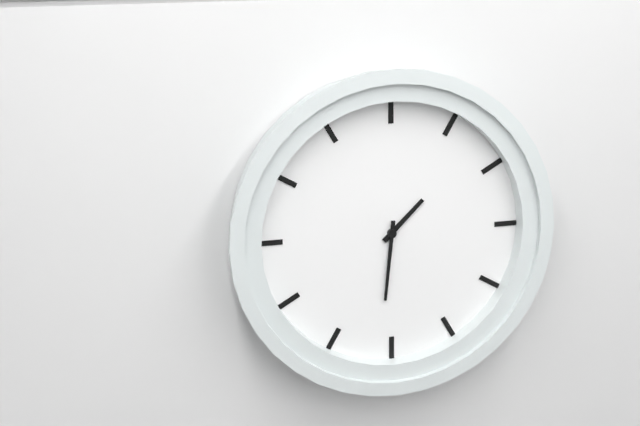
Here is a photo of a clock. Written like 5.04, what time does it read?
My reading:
1.31
